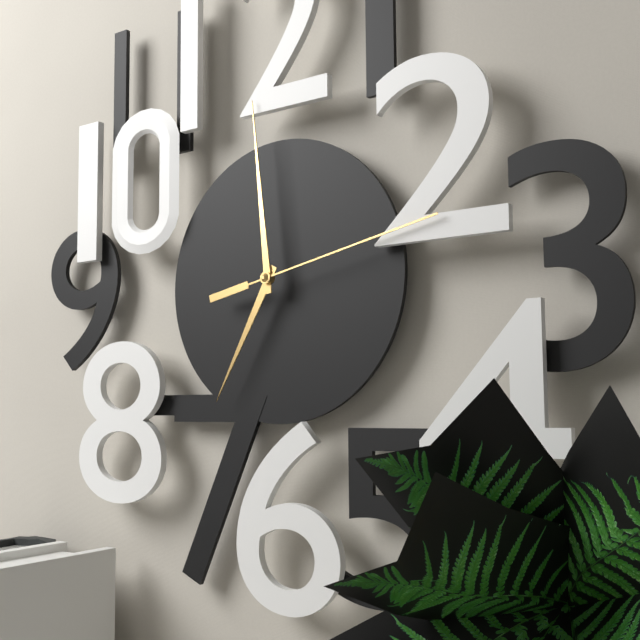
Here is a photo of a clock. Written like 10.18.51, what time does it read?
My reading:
6.59.13
